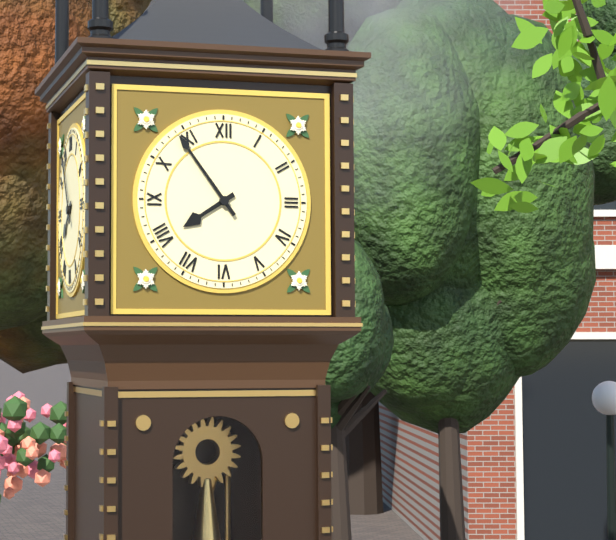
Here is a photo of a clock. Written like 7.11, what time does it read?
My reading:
7.54
